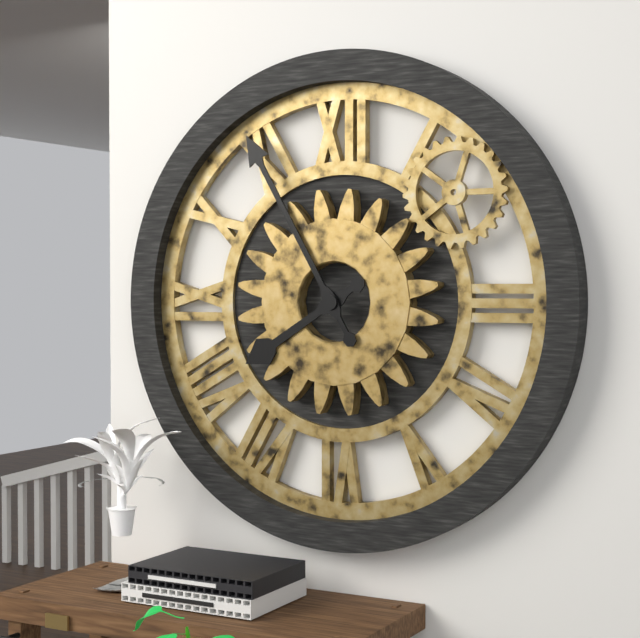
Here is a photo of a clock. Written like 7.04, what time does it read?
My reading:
7.55
